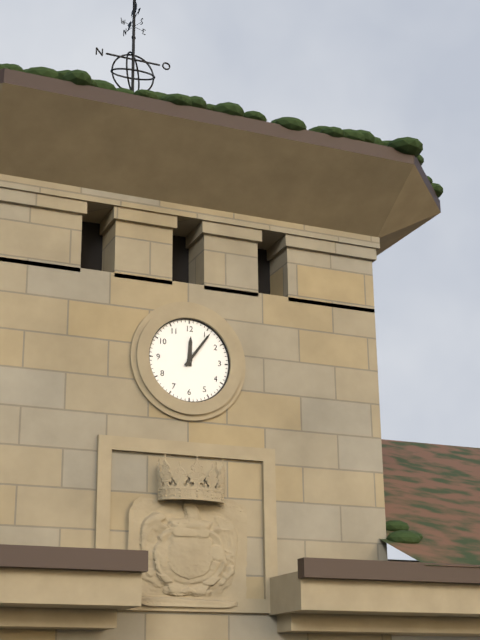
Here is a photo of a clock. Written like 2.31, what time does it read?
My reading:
12.06
